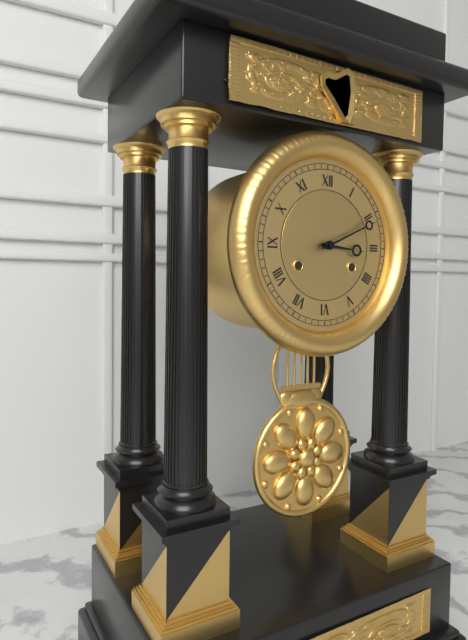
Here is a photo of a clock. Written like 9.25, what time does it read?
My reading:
3.11
